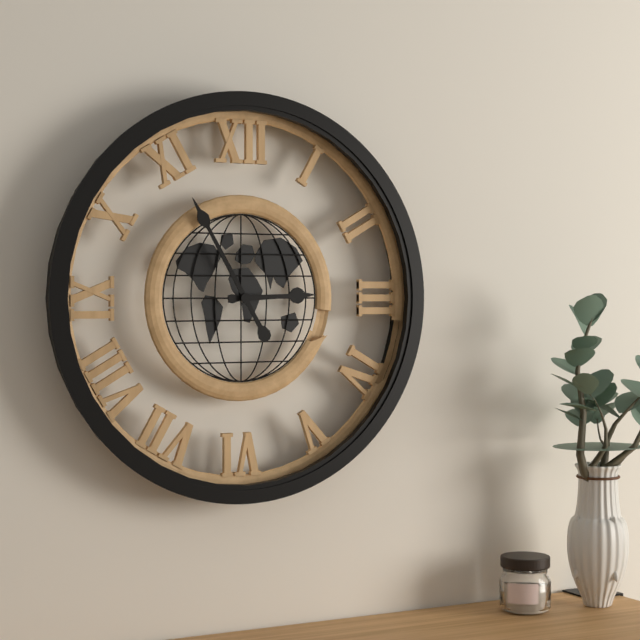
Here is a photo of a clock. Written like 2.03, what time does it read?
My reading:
2.55
